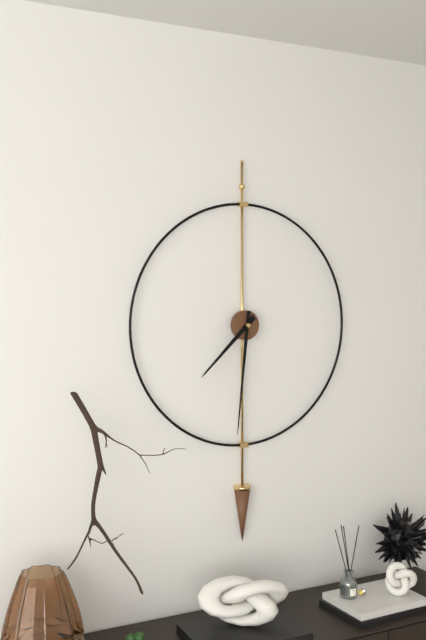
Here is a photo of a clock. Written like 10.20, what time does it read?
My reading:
7.31
